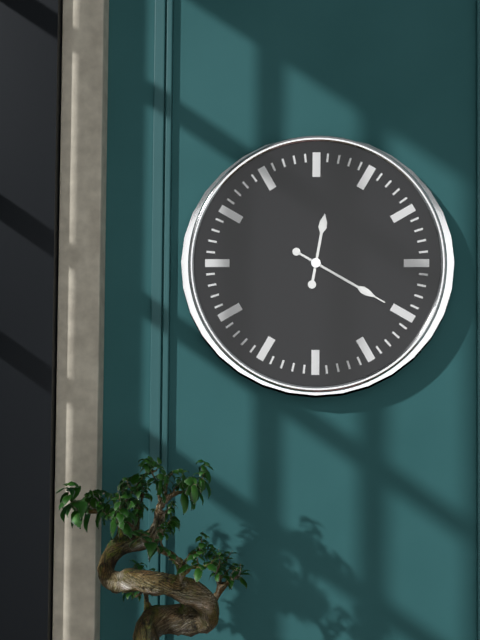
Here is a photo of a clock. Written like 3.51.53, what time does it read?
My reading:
12.20.20
